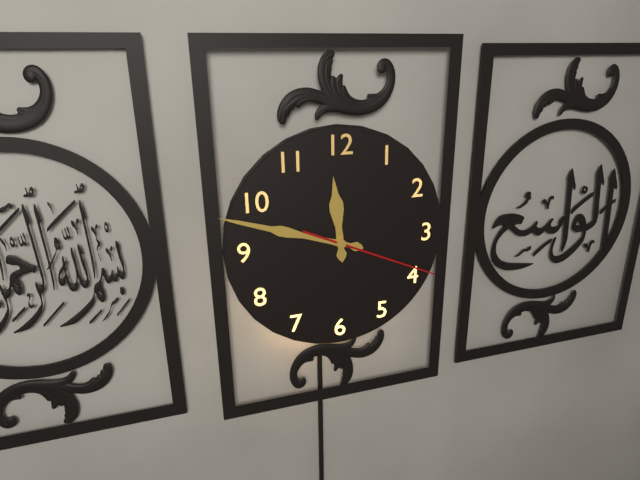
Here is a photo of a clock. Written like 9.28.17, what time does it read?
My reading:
11.48.19
